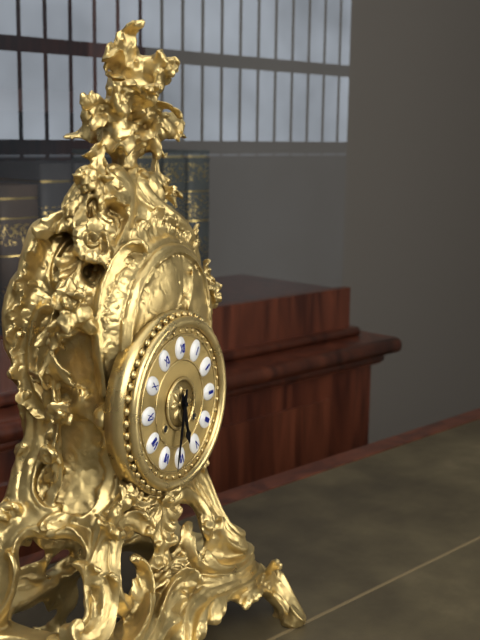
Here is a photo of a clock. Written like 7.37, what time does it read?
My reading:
5.32
